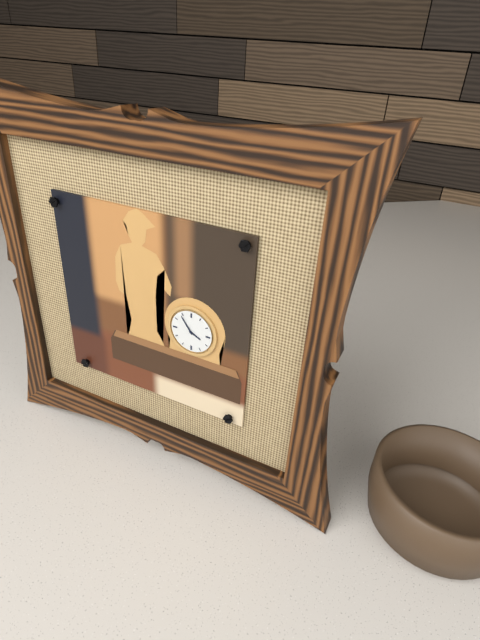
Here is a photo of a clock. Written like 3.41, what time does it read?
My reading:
3.54
